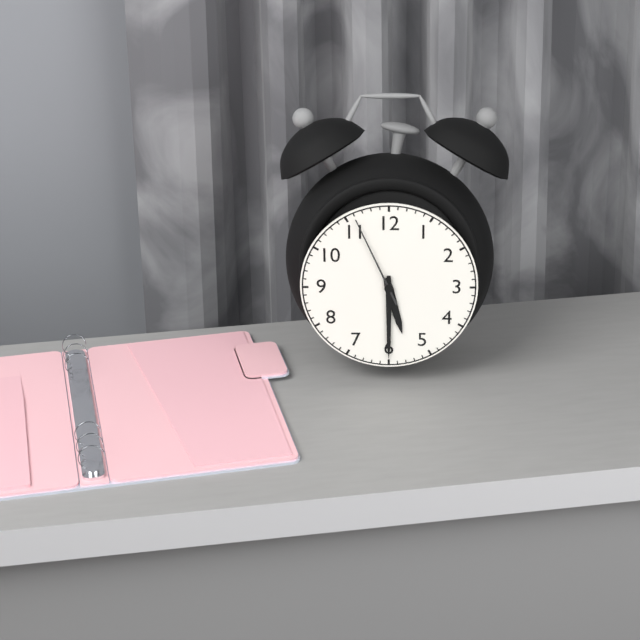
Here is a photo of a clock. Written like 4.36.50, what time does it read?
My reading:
5.30.56
